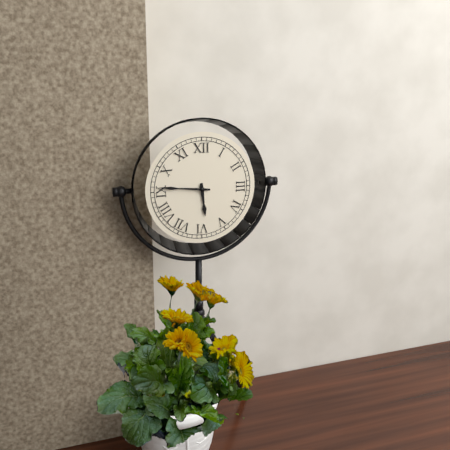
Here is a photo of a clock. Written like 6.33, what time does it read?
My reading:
5.46
